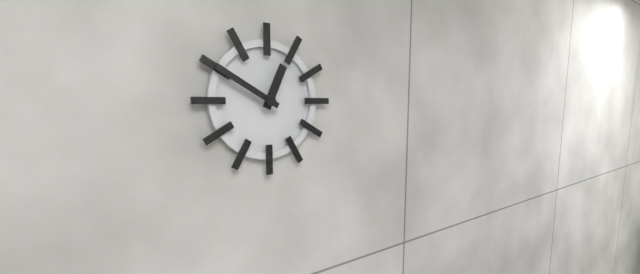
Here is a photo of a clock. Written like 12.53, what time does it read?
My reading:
12.50
